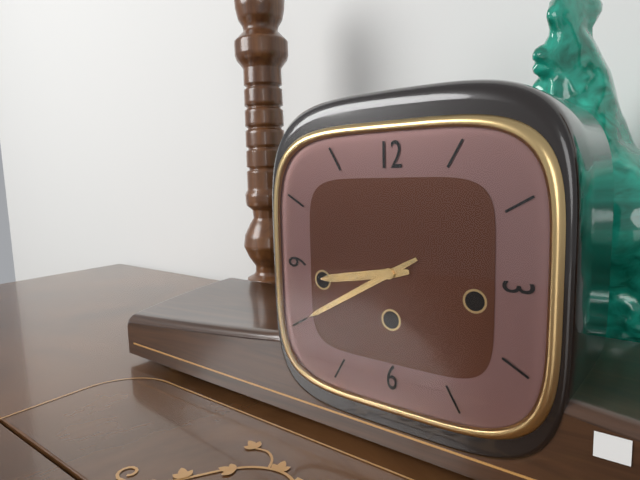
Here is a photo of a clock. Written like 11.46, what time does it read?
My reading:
8.40
